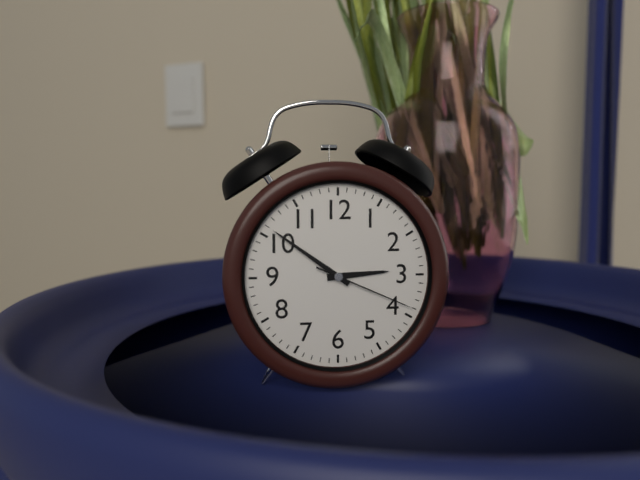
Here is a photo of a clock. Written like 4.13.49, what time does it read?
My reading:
2.51.19
